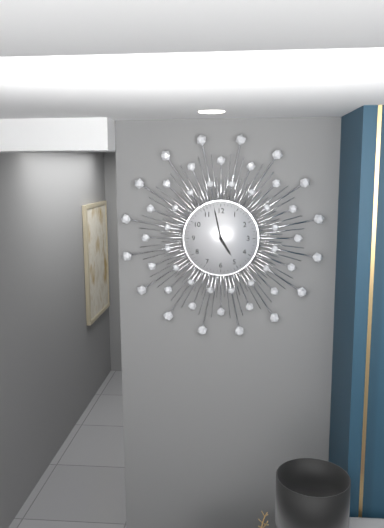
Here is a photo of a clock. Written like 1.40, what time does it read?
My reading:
4.58
